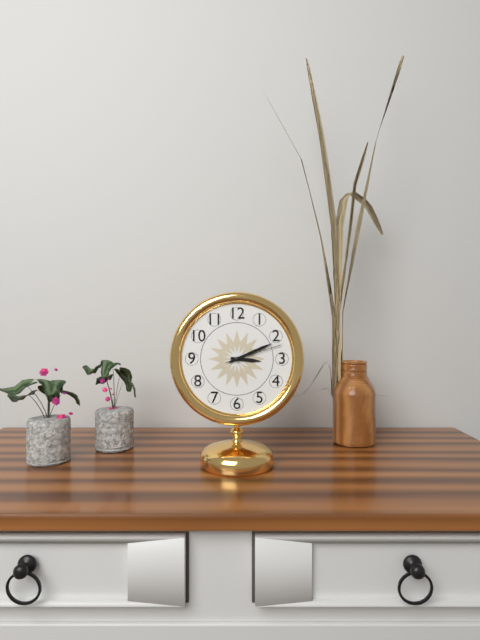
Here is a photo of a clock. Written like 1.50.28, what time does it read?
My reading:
3.11.12
